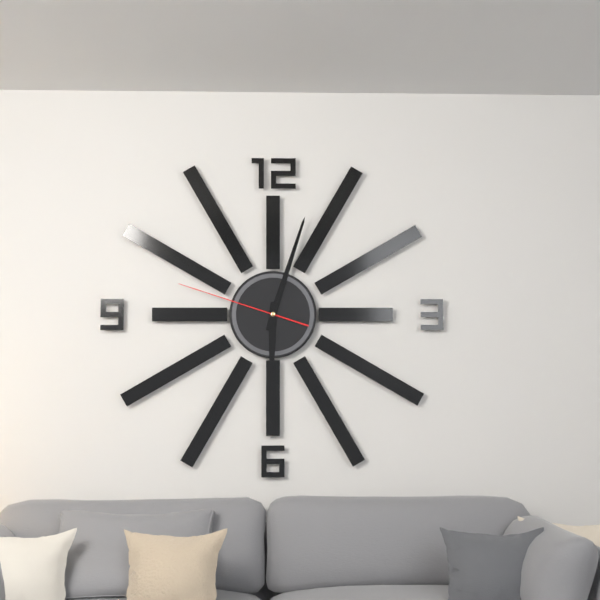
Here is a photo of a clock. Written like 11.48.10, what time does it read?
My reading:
6.03.48
